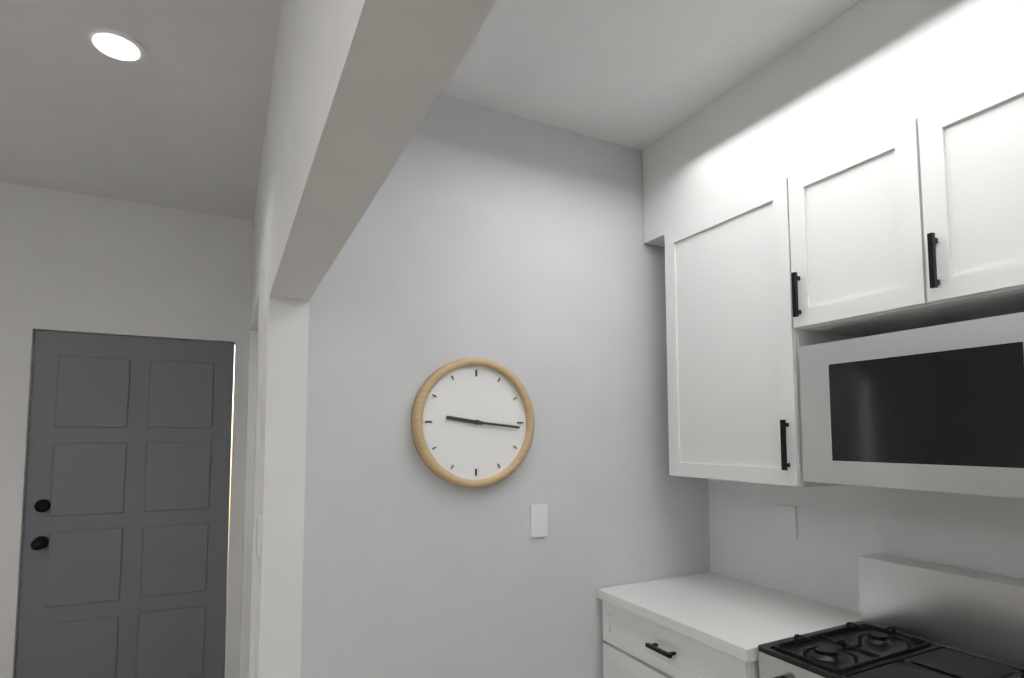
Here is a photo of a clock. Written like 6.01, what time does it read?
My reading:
9.16
